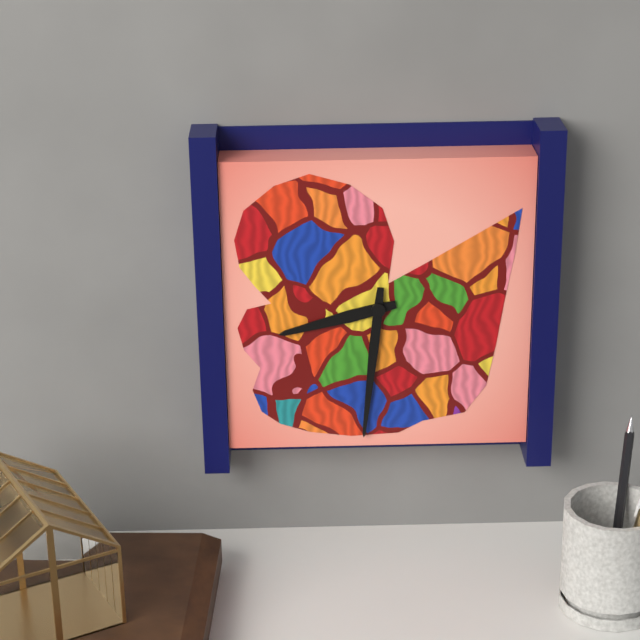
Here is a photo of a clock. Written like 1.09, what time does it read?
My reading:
8.31
